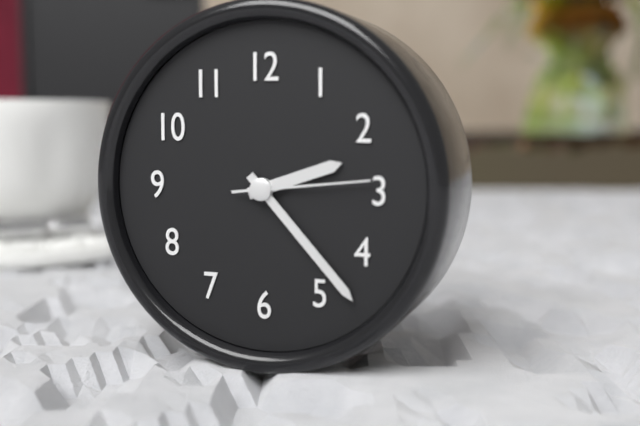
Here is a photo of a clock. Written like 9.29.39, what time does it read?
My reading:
2.23.14
